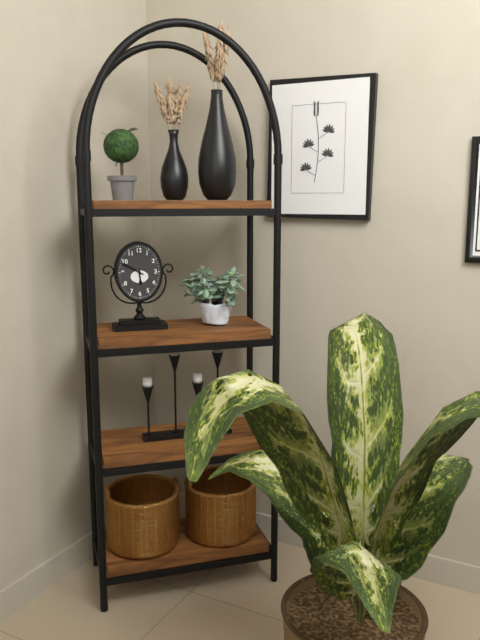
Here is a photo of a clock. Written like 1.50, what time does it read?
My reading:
5.50
